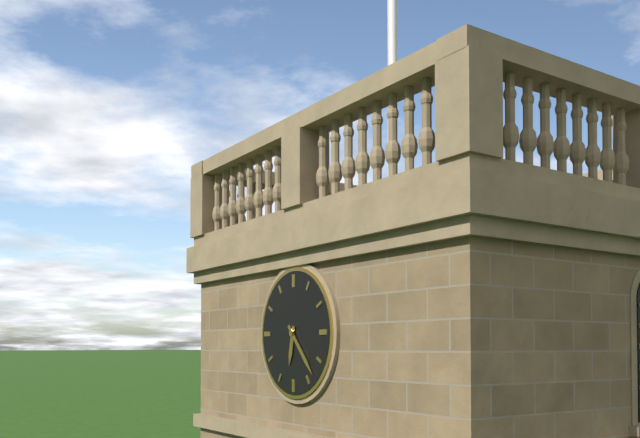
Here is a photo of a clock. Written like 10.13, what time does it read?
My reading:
6.23
